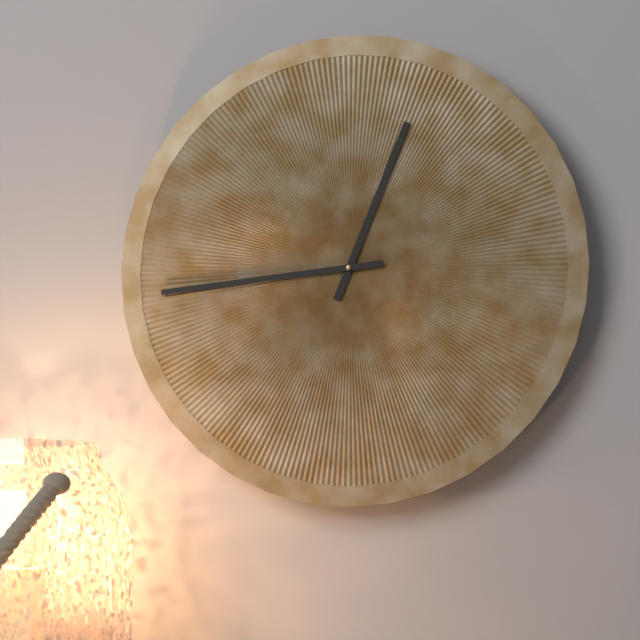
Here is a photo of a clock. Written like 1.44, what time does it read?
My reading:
12.44
